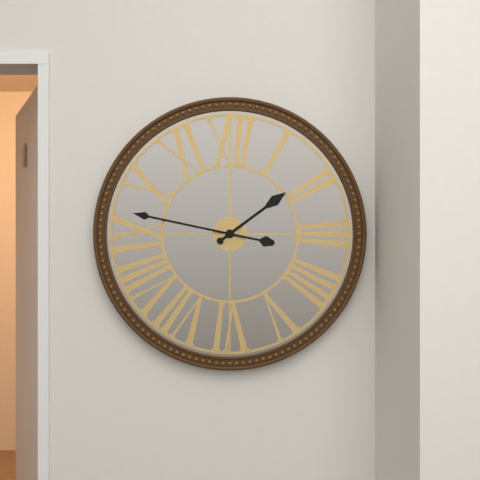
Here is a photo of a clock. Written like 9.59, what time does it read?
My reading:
1.47
